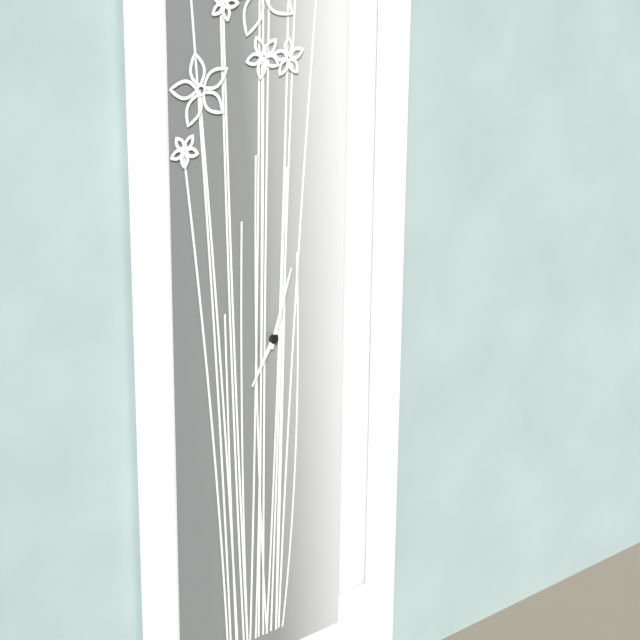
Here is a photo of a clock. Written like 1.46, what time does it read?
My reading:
7.03
